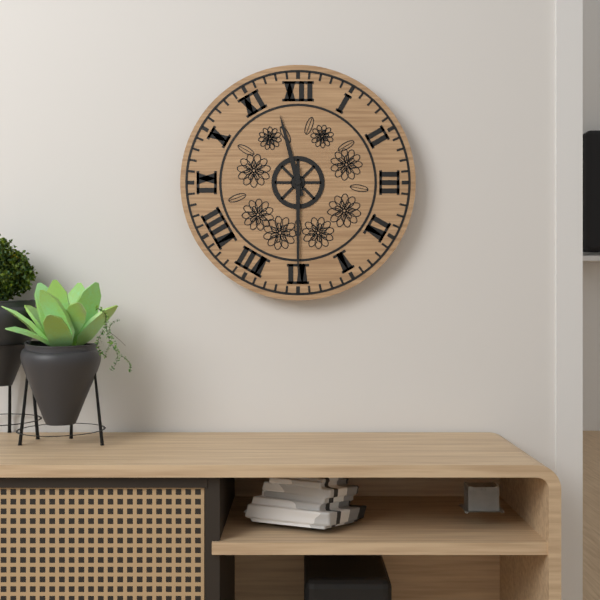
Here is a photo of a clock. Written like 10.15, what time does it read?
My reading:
11.30
